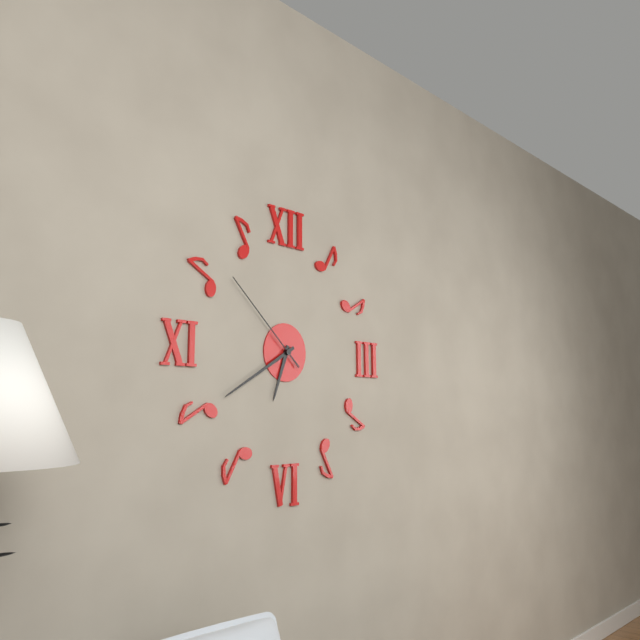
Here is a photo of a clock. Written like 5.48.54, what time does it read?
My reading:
6.40.52
